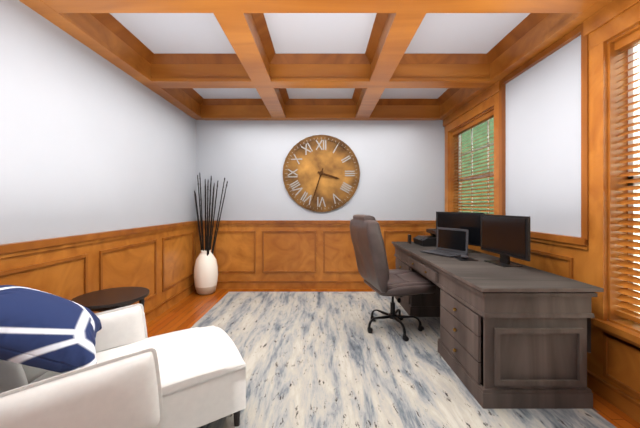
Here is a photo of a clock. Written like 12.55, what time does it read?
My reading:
3.33
